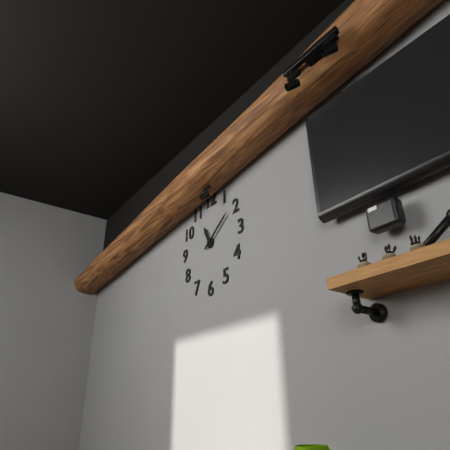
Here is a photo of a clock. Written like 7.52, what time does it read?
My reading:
11.09
